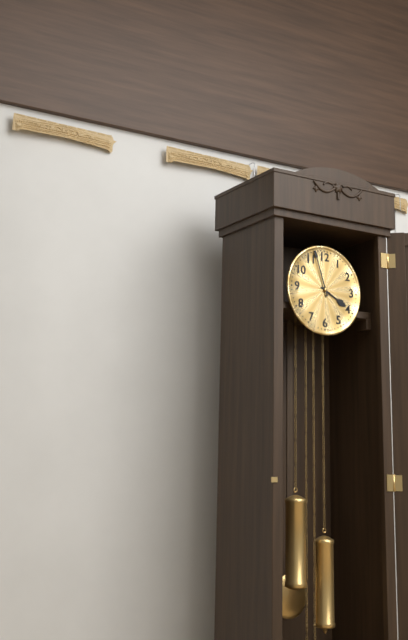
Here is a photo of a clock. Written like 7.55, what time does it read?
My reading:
3.57
